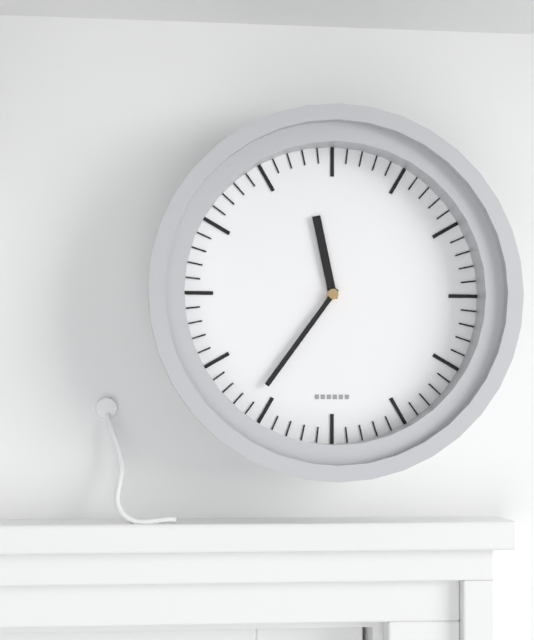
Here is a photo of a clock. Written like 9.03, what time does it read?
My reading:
11.36
